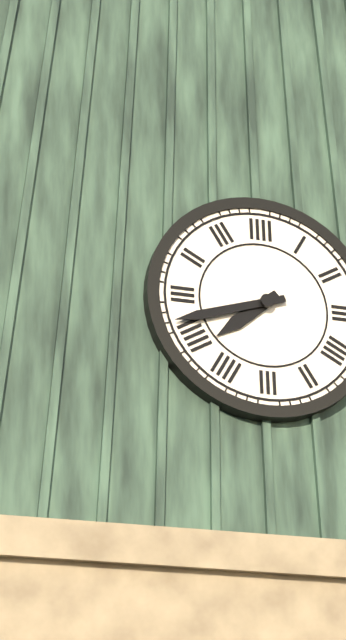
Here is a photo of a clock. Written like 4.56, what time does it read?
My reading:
7.42
